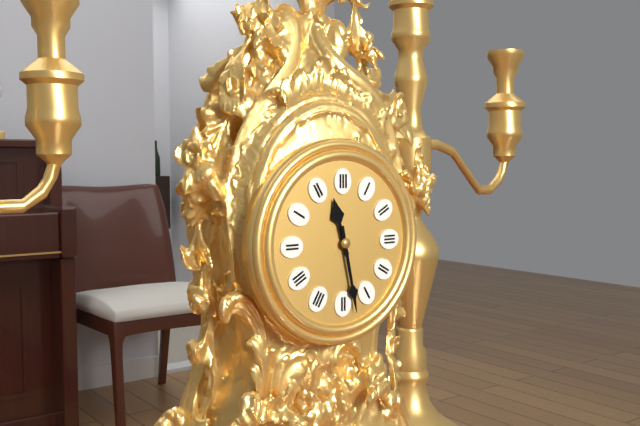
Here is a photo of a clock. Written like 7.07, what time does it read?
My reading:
11.28
